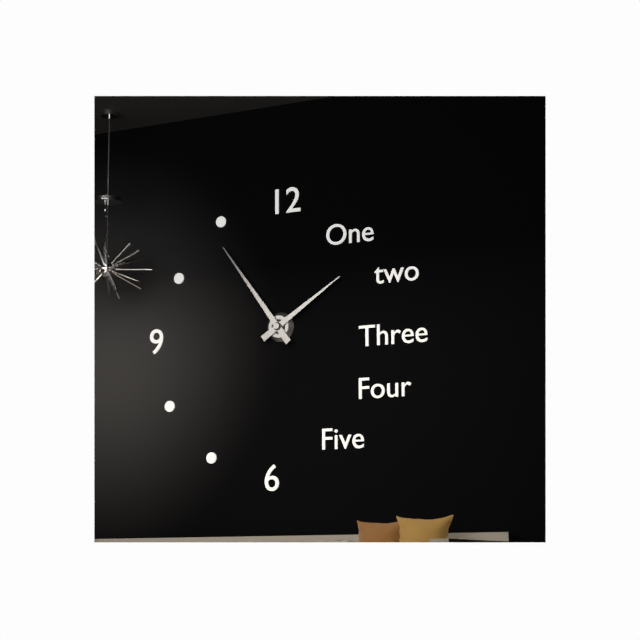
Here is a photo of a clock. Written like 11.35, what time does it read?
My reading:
1.54
